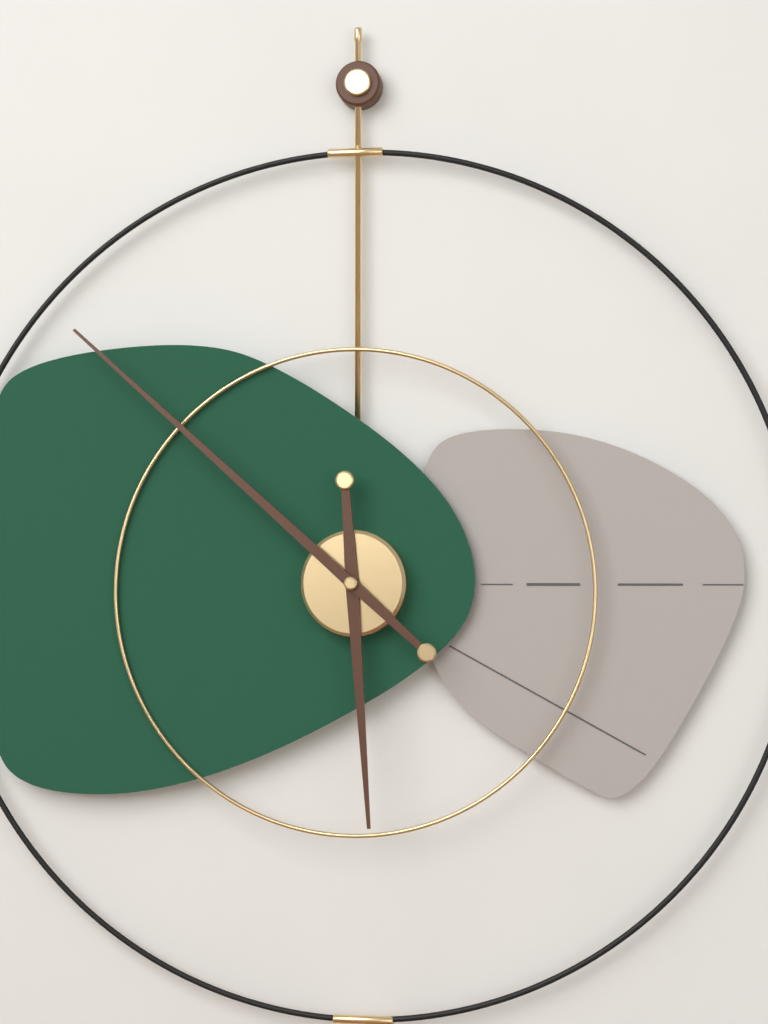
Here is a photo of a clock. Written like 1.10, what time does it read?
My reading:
5.52
